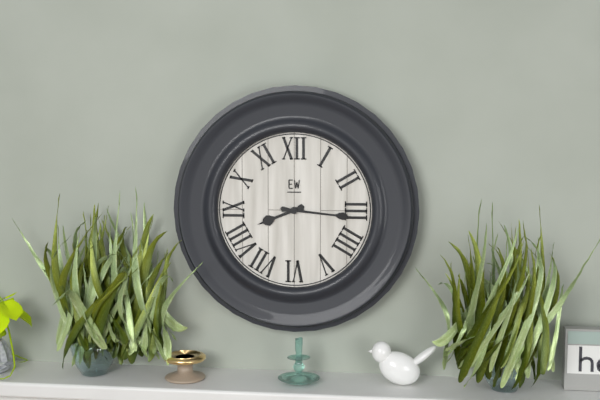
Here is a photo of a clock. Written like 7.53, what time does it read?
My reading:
8.16
